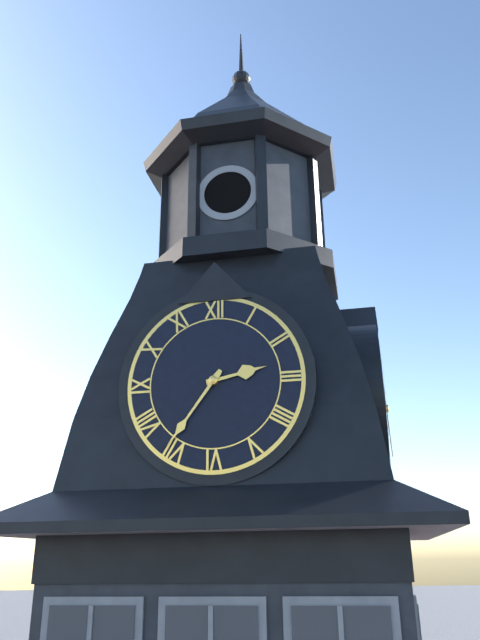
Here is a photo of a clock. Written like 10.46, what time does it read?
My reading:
2.36
